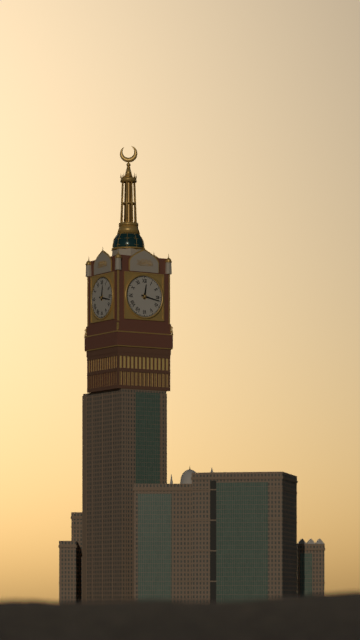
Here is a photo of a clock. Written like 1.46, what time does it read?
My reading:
12.17
